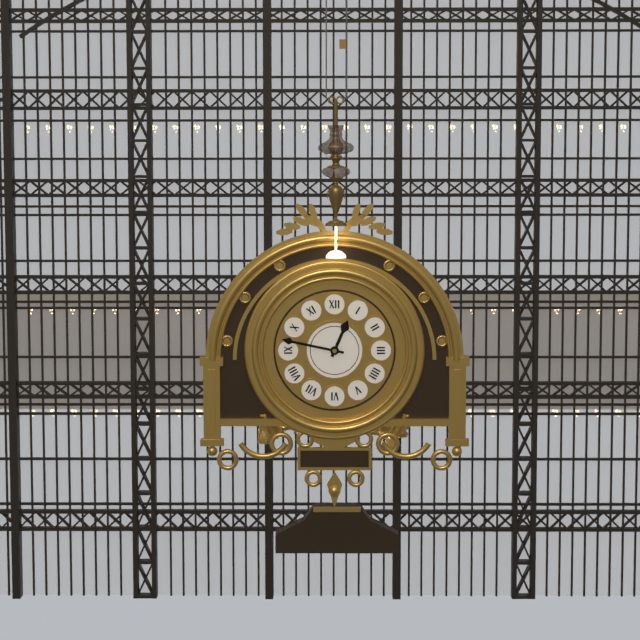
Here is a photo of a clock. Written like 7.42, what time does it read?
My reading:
12.47
